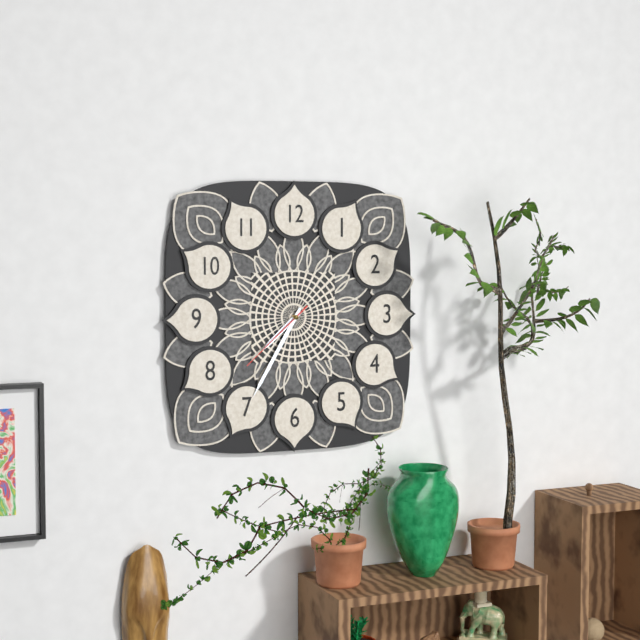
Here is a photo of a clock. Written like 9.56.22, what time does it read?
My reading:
7.35.38
